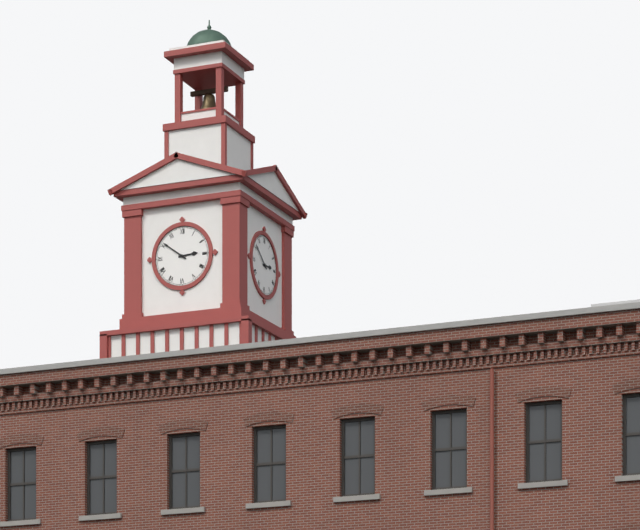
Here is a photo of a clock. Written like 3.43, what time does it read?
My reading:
2.51
